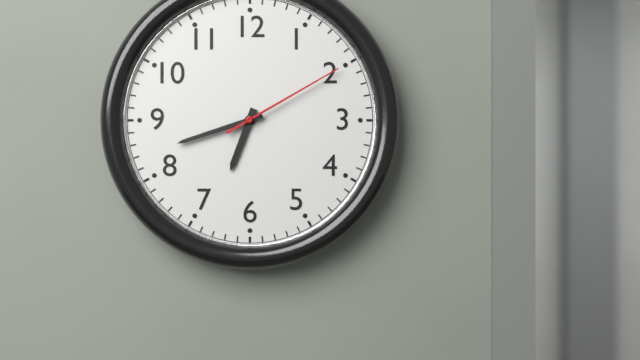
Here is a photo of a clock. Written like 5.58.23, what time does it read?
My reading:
6.42.10
